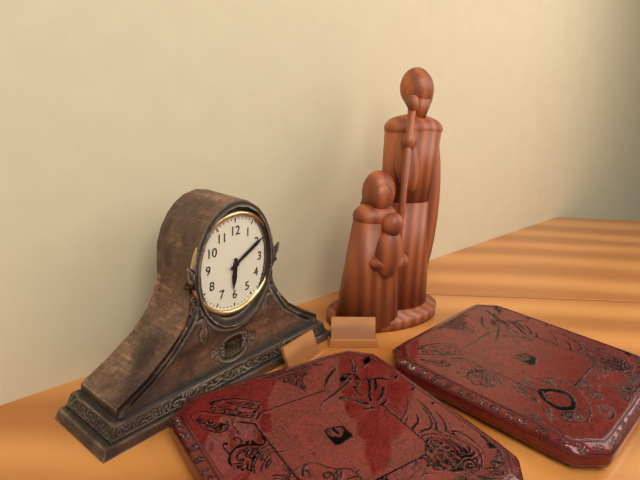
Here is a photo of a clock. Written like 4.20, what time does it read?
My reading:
6.10
